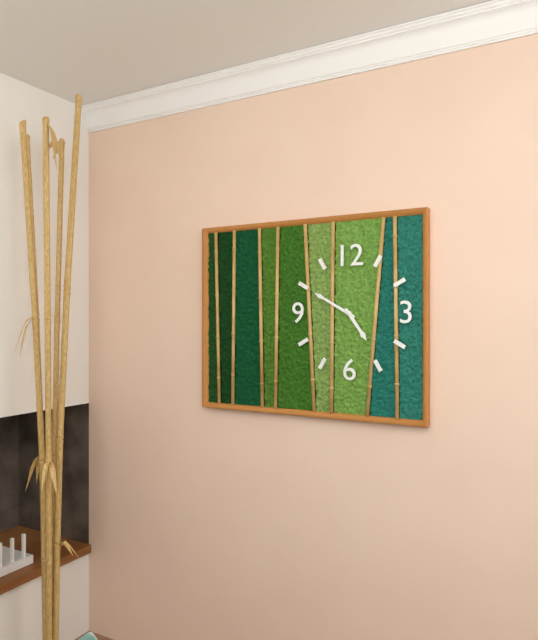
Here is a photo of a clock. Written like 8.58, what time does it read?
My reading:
4.50
